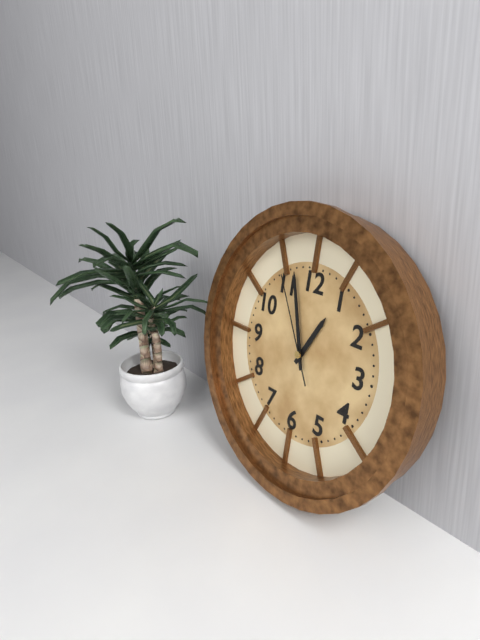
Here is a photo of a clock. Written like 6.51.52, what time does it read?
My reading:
12.57.55
